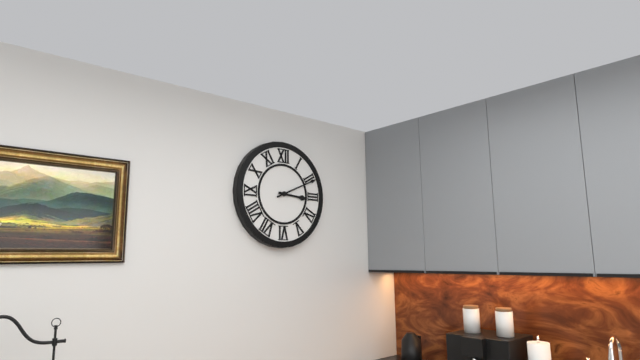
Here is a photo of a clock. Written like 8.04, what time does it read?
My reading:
3.11
